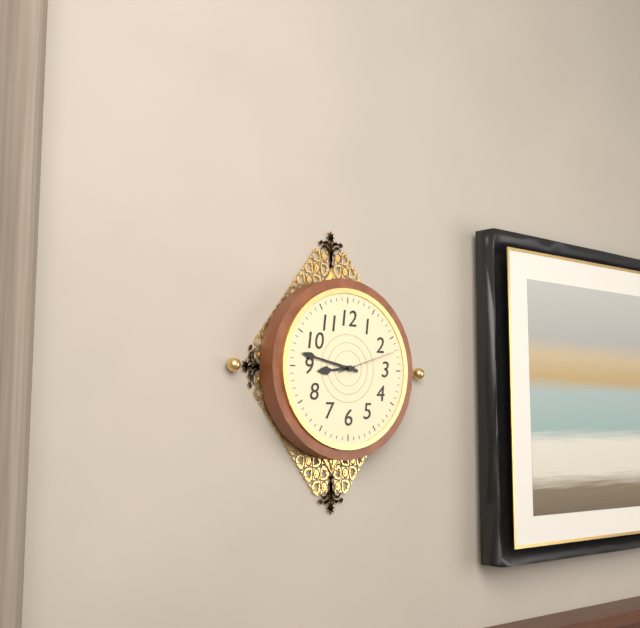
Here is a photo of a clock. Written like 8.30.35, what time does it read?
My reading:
8.47.12
